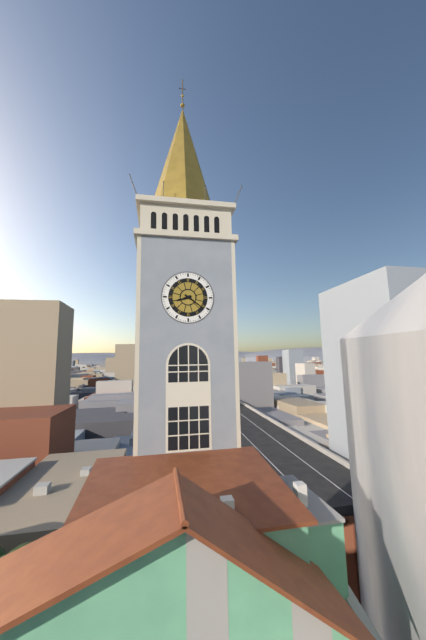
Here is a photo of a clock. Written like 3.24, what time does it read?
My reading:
8.21
